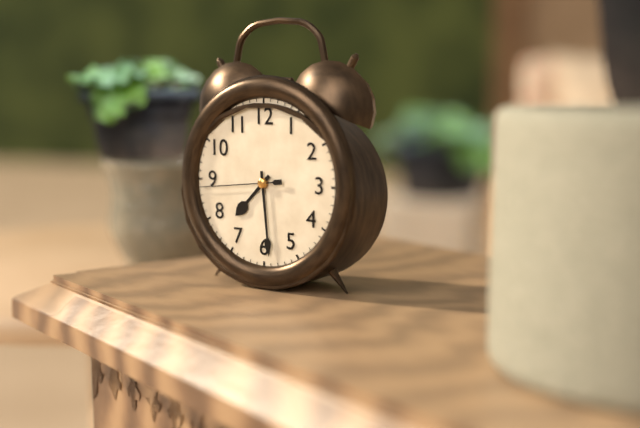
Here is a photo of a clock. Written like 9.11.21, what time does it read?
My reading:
7.29.44
